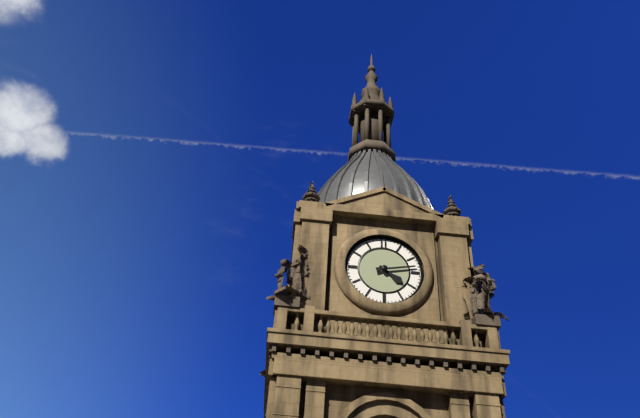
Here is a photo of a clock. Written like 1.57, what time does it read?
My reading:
4.13
